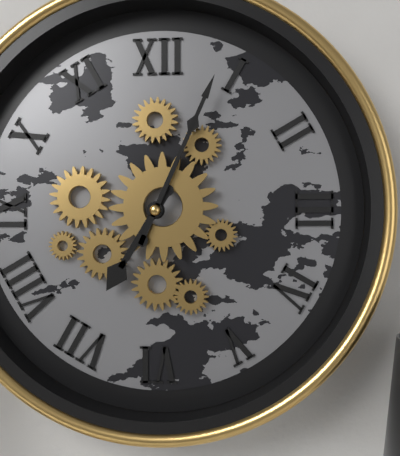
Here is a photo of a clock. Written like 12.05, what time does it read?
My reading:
7.04
